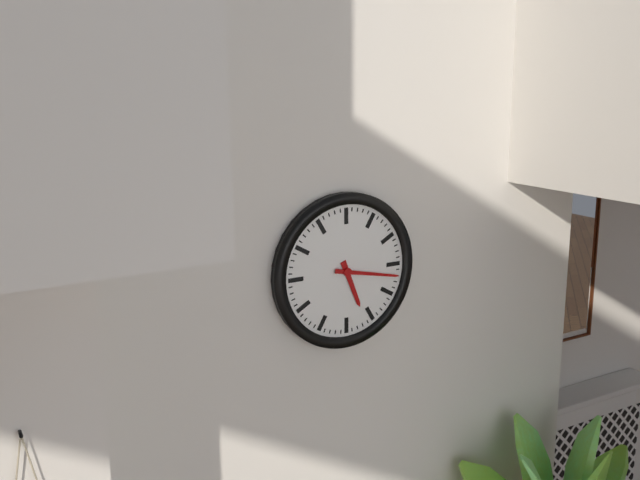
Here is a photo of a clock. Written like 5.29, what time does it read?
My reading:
5.17
